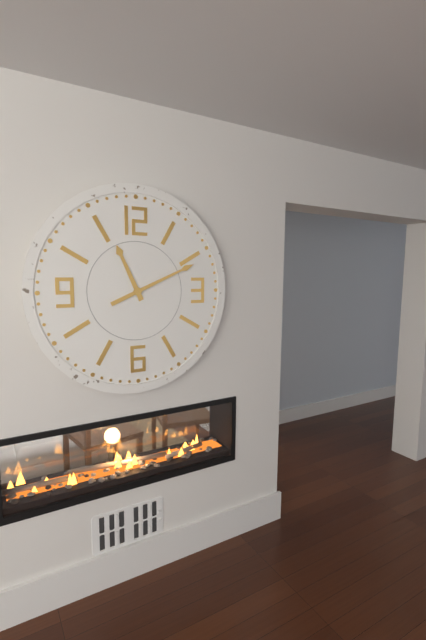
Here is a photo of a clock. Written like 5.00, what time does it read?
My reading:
11.11
